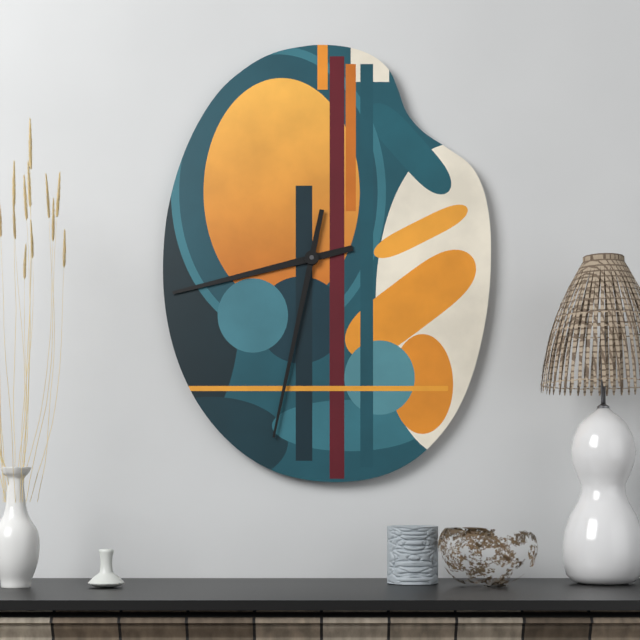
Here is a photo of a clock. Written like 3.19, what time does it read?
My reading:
8.32
